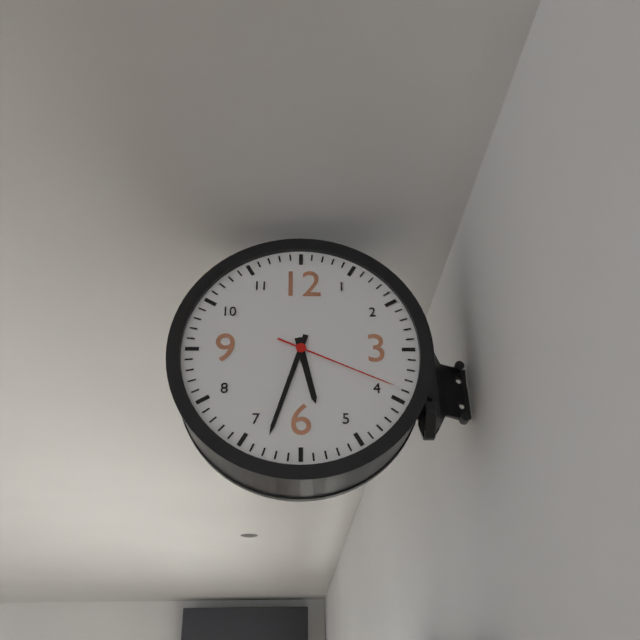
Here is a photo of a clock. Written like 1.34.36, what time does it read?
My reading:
5.33.19
